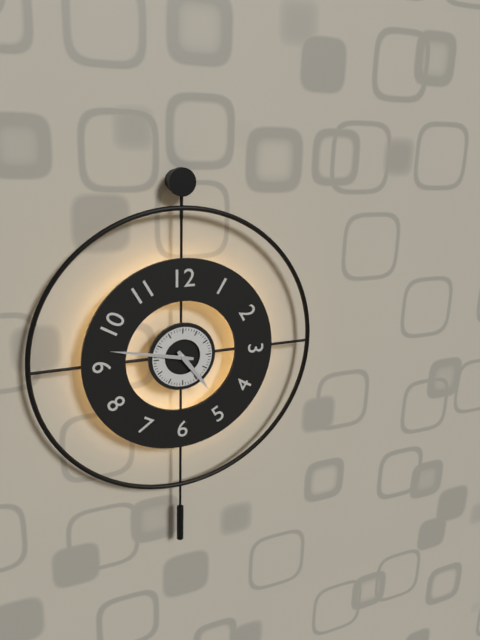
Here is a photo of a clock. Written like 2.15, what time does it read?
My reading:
4.47
